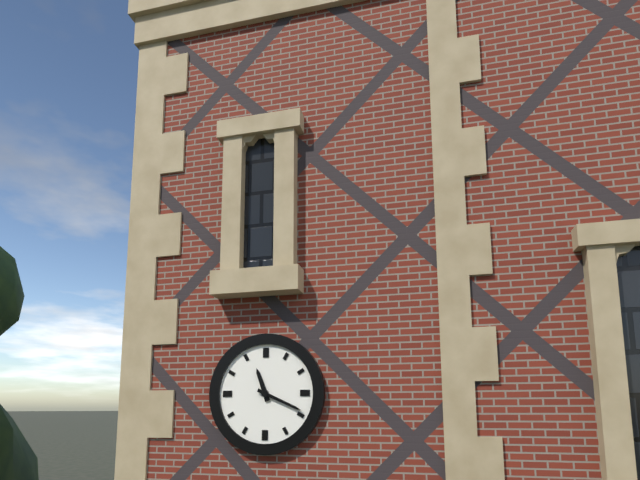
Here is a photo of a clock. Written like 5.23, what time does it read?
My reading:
11.19
